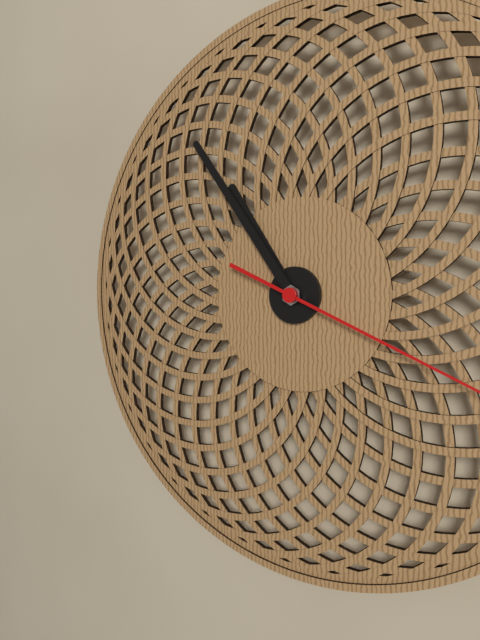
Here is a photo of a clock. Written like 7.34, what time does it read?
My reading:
10.54
